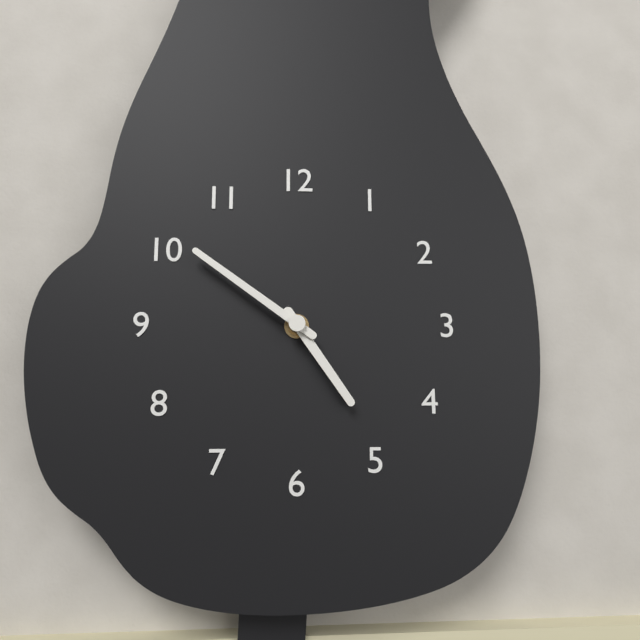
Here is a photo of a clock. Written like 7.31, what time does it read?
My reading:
4.51
